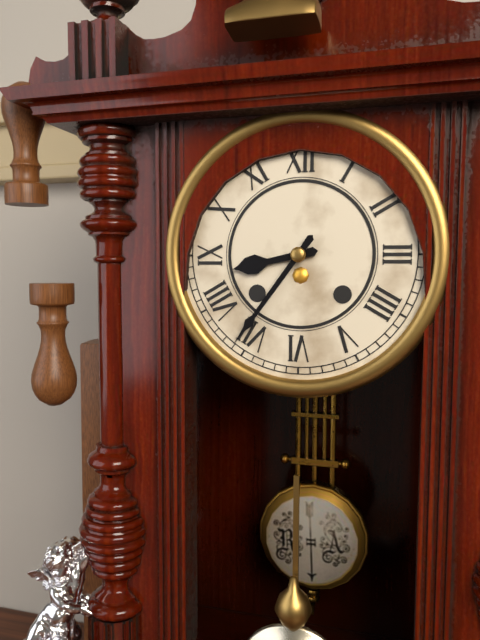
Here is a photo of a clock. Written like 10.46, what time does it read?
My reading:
8.36
